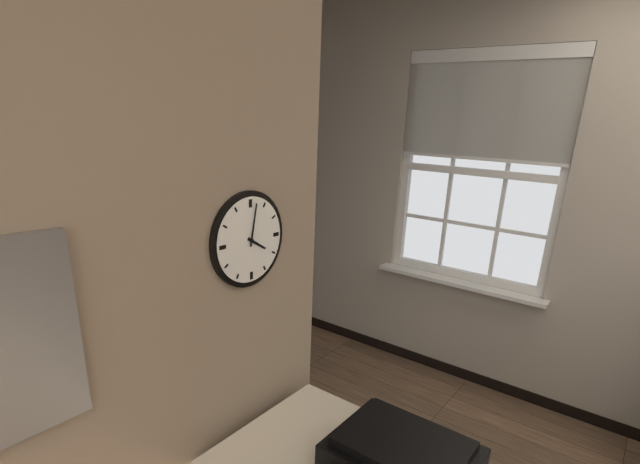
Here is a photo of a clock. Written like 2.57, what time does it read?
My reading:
4.02
